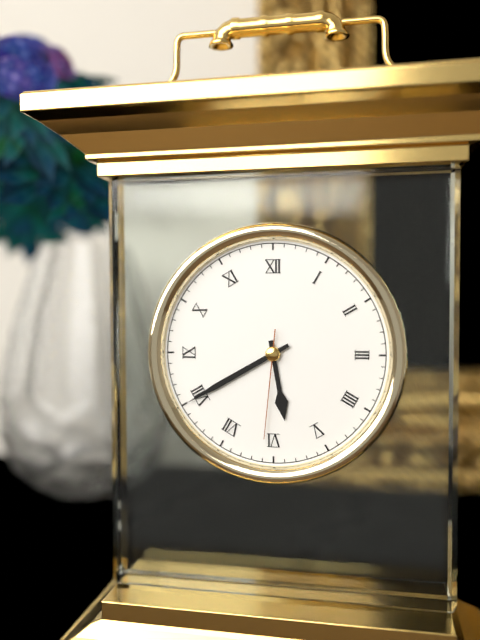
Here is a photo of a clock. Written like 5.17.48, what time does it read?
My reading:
5.40.31
